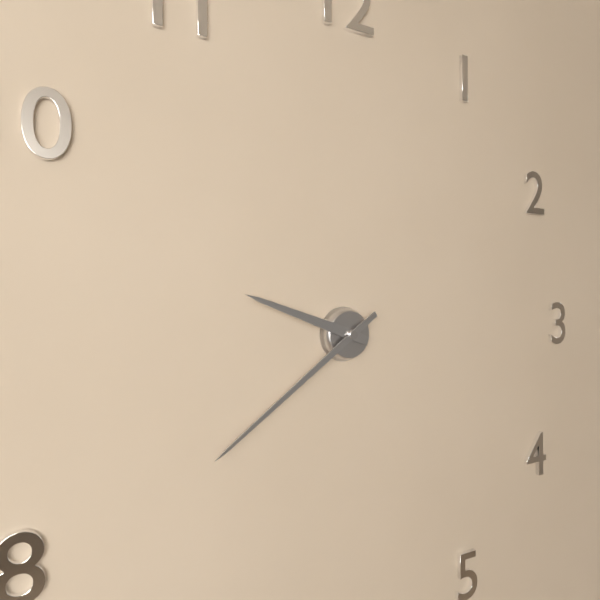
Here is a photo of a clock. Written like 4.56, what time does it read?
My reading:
9.39
